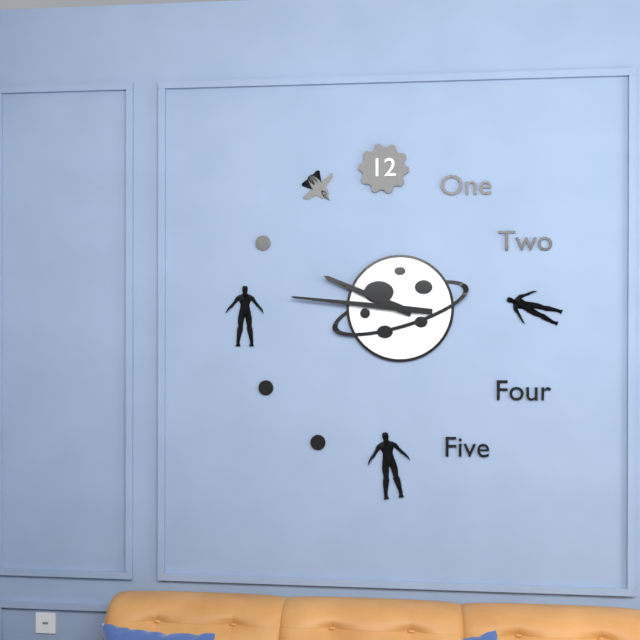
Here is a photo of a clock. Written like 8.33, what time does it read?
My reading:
9.46
